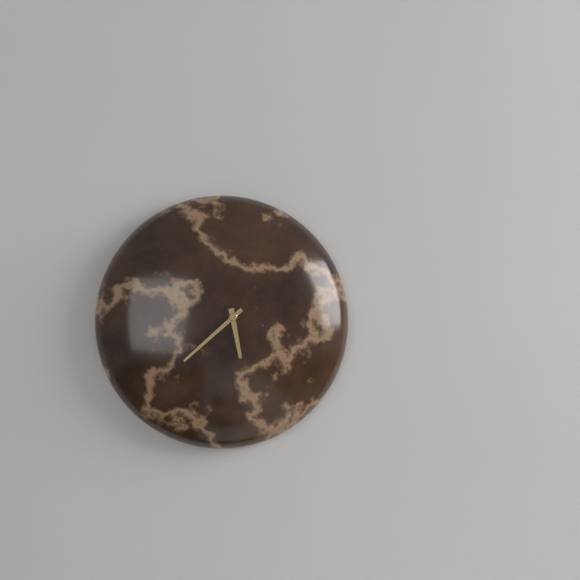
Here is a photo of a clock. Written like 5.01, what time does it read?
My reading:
5.38
